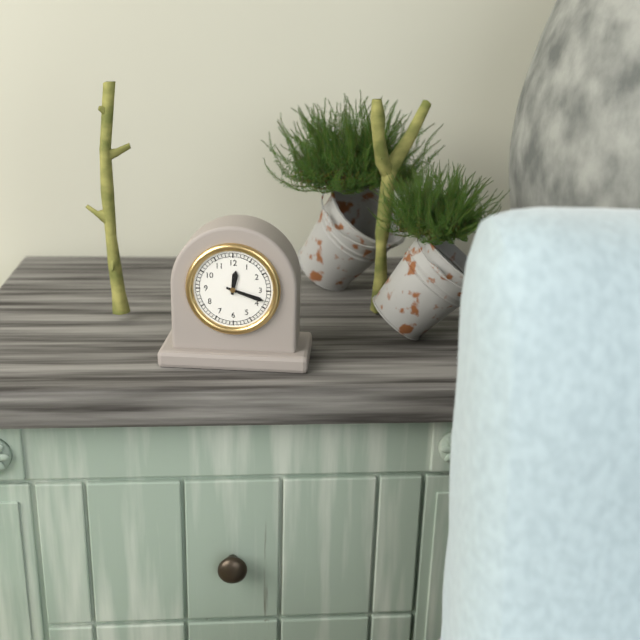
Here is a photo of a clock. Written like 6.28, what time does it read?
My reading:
12.18
